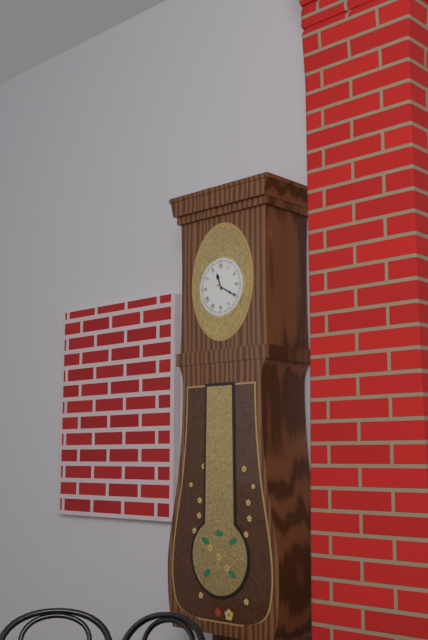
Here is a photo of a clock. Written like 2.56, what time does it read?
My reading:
11.20
